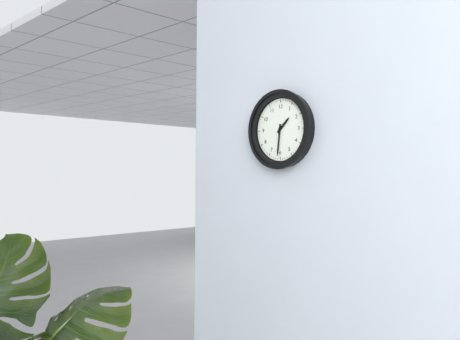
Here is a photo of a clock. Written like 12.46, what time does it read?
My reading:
1.31
